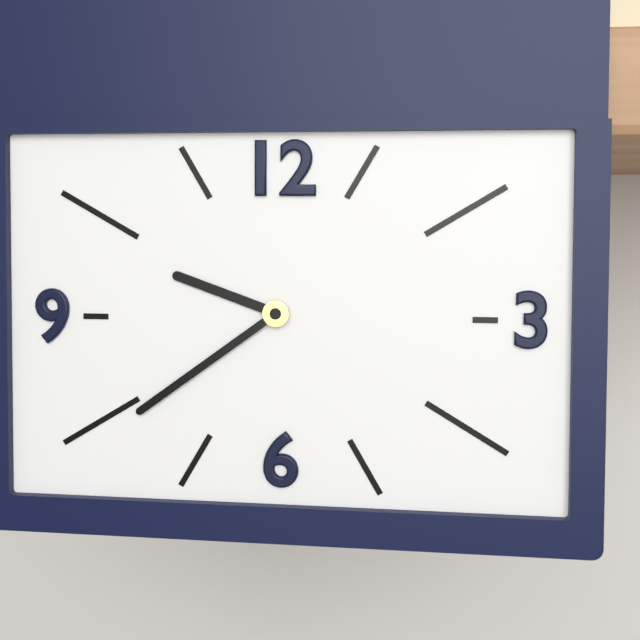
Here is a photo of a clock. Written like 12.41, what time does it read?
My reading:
9.39
